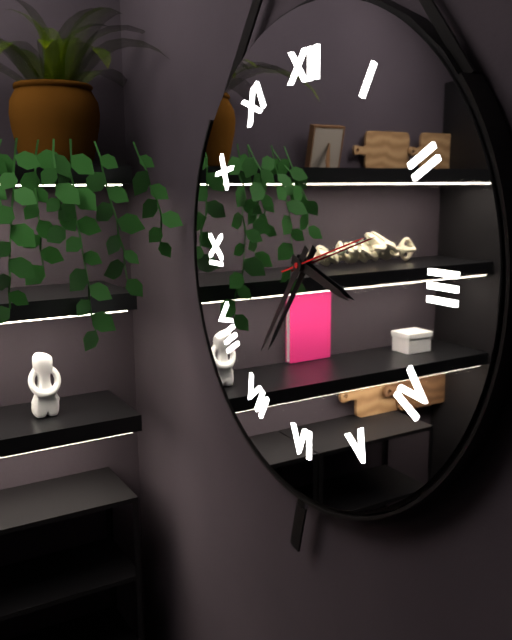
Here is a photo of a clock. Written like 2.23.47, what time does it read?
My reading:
3.36.12
